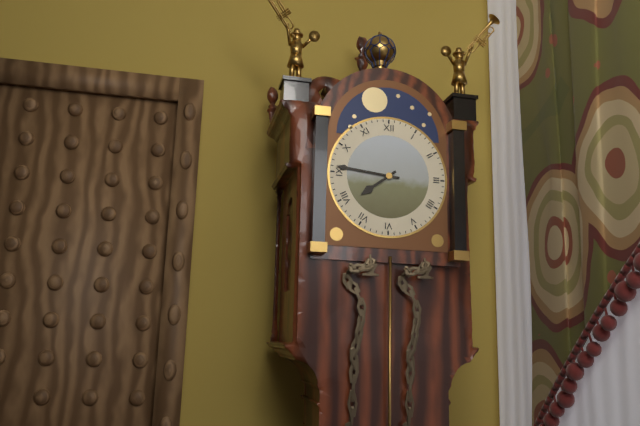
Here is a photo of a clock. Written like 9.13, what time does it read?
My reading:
7.46
